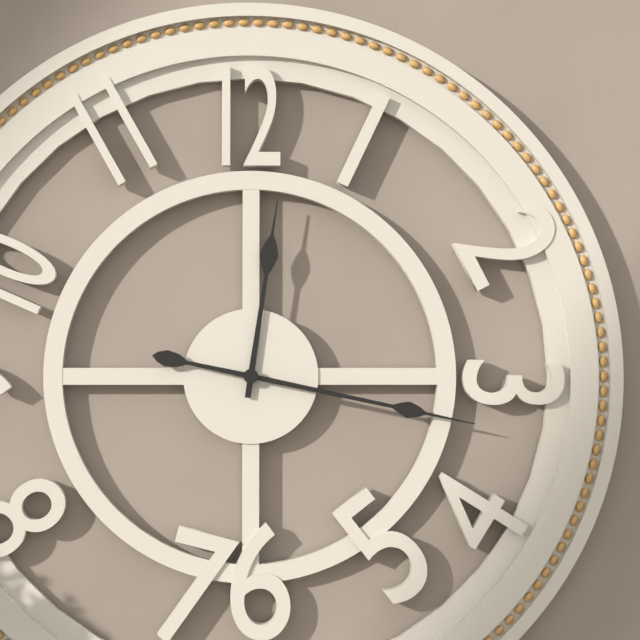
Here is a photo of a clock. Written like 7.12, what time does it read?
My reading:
12.17
